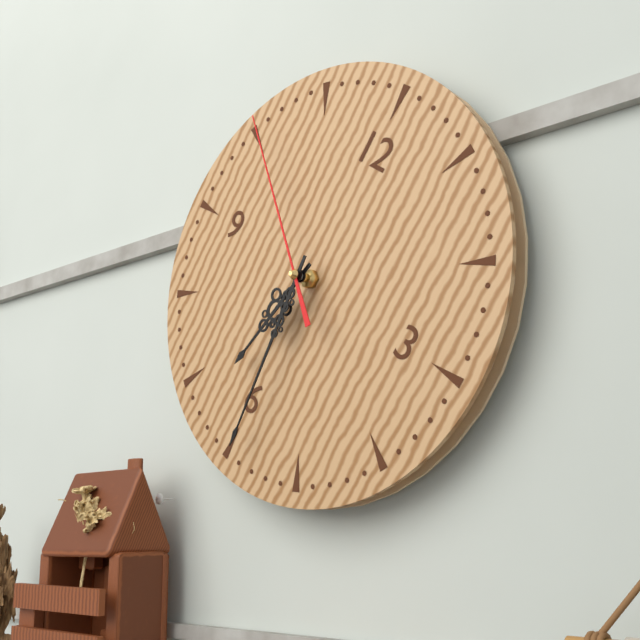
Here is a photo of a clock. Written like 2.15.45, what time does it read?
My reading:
6.29.51
